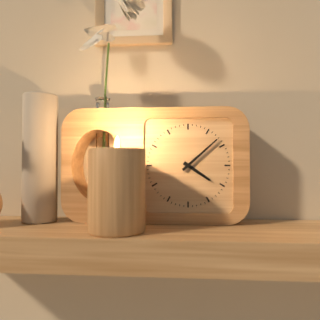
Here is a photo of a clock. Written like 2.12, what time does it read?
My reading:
4.08
